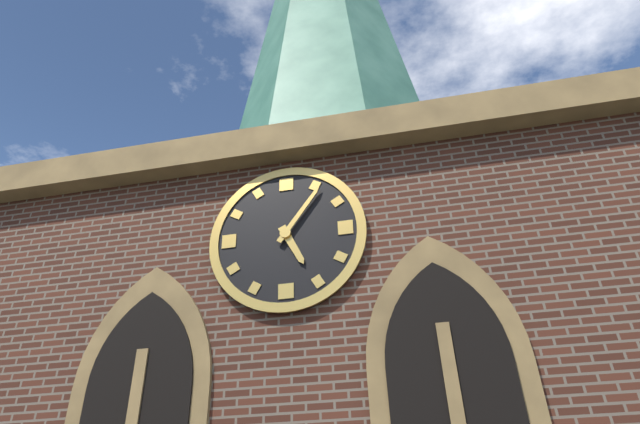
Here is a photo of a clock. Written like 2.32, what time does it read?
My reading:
5.06
